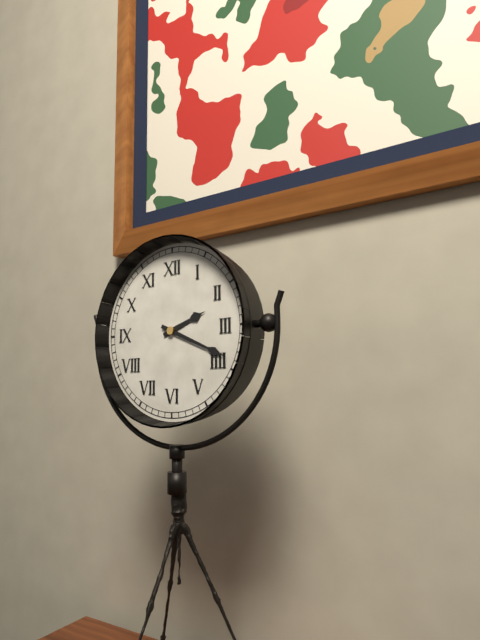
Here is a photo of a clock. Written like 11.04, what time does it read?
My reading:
2.19
